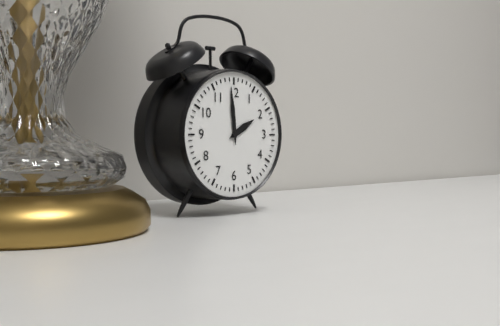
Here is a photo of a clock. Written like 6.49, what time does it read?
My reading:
1.59
